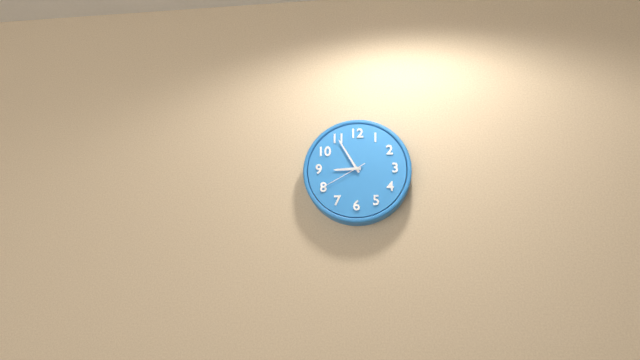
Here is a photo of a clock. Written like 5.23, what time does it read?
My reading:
8.55
